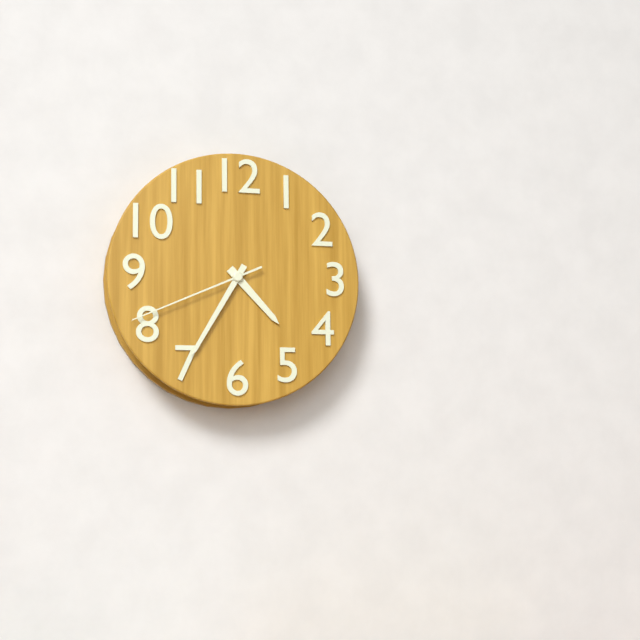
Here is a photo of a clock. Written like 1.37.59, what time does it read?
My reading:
4.35.41
